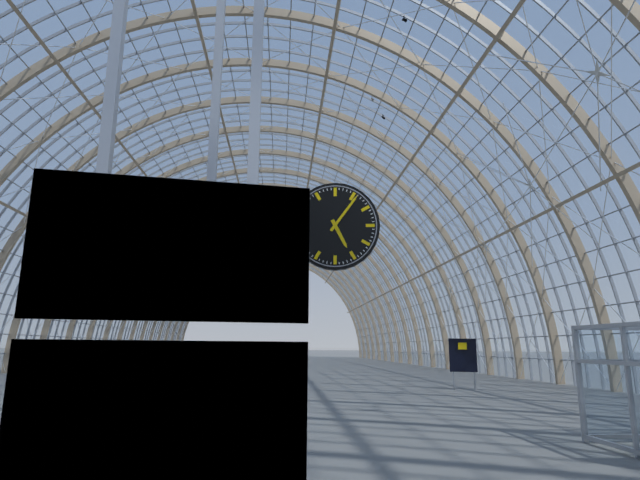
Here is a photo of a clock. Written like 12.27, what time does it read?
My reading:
5.06
